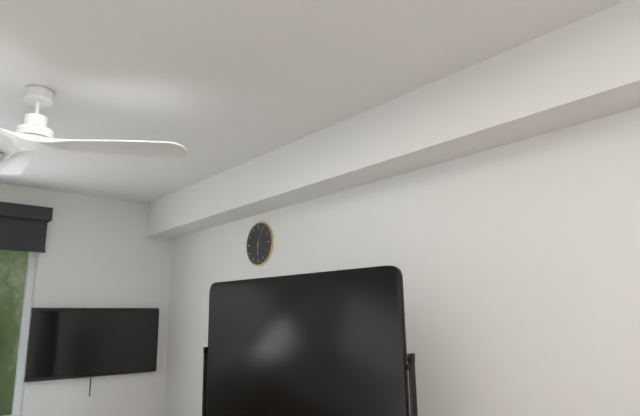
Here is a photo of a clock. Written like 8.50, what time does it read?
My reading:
6.04
